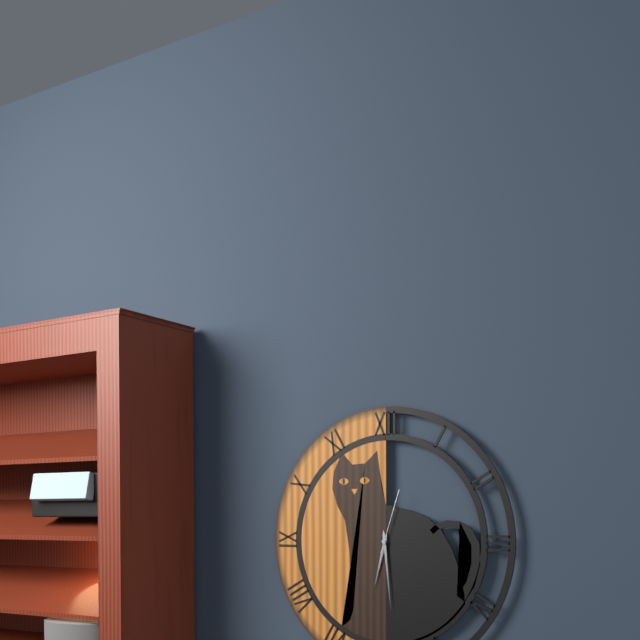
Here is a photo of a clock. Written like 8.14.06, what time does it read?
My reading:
6.29.03
